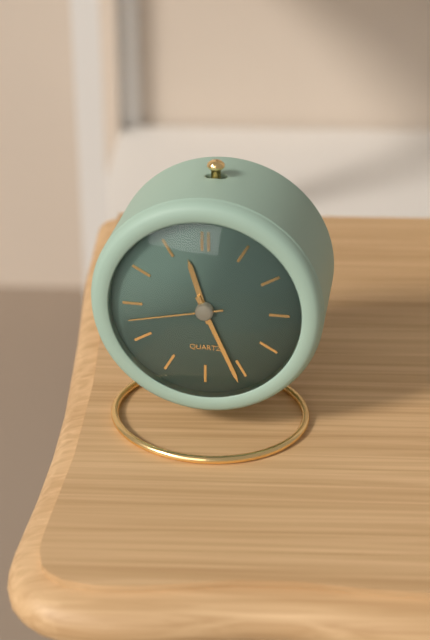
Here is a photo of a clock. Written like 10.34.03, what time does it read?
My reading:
11.26.43
